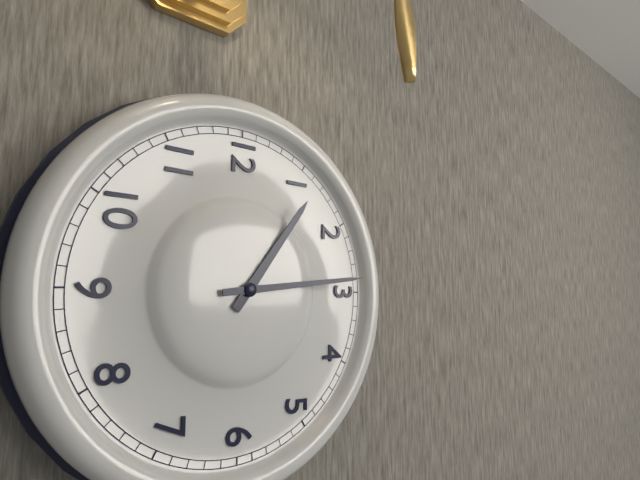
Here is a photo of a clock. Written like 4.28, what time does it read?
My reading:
1.14
